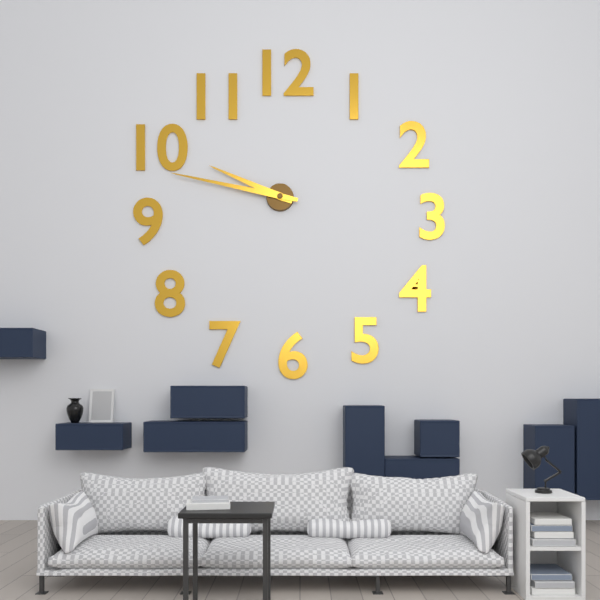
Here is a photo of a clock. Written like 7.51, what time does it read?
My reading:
9.47
